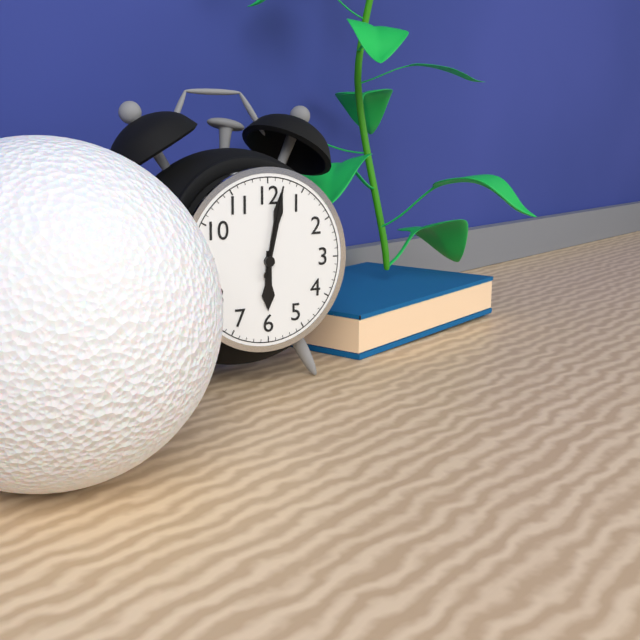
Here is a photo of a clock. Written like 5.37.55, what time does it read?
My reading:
6.02.02
